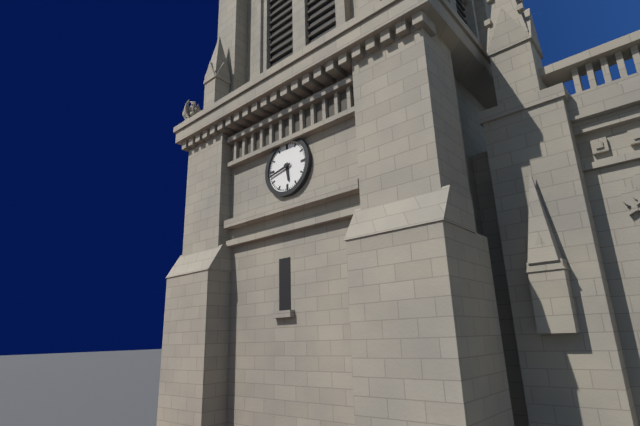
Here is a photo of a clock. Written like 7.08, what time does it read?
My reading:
5.43
